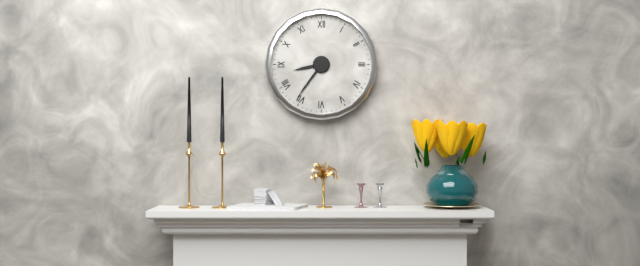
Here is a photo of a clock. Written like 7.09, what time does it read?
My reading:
8.36
